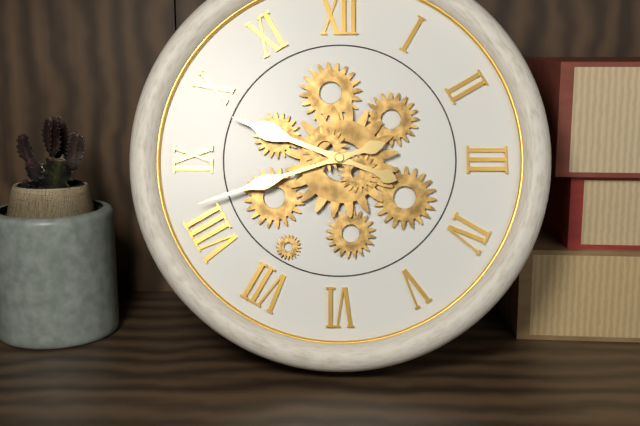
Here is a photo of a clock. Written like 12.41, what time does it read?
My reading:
9.42
